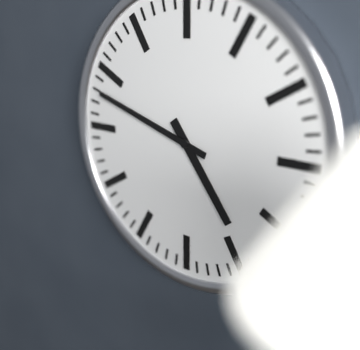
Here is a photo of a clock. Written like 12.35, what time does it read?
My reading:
4.48
